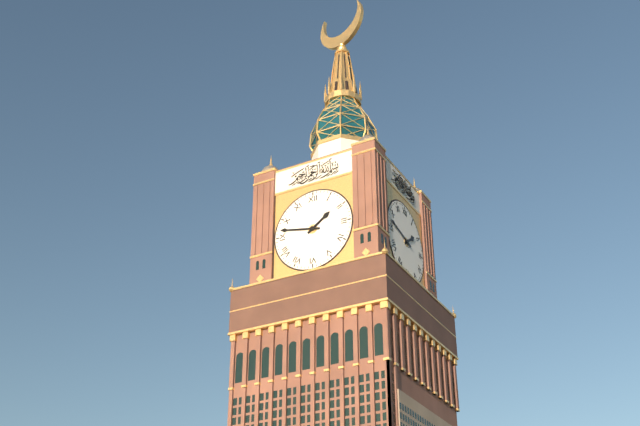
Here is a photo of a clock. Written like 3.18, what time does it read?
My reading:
1.47
